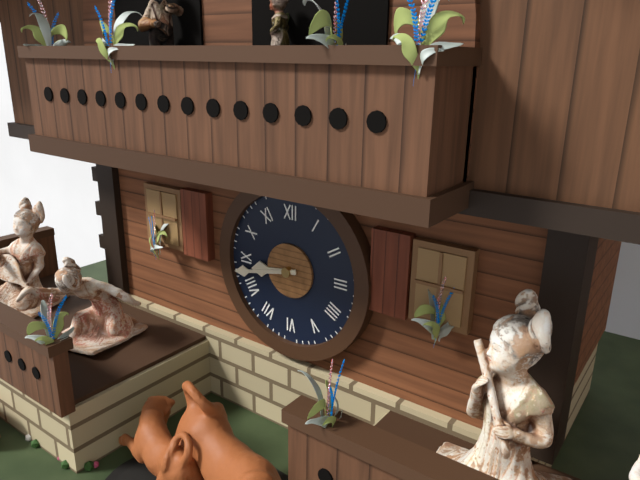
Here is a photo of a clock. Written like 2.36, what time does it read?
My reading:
8.43
